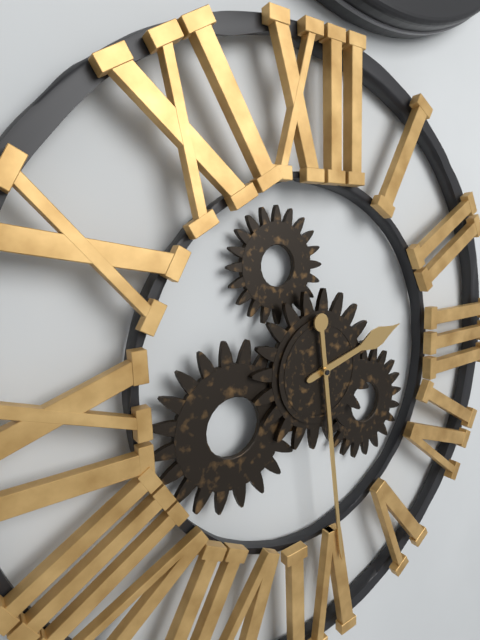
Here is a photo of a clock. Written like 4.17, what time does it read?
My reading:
2.29
